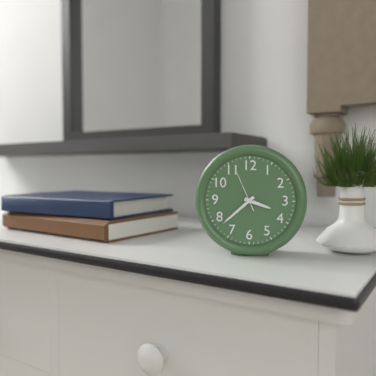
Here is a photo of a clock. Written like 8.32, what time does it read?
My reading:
3.38
